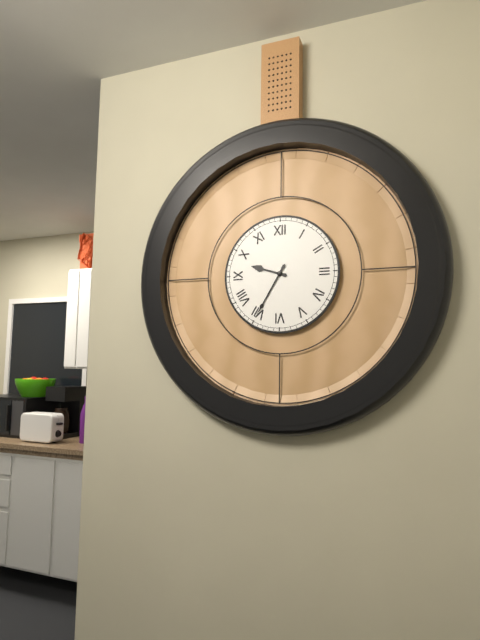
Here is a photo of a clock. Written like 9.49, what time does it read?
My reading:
9.35
